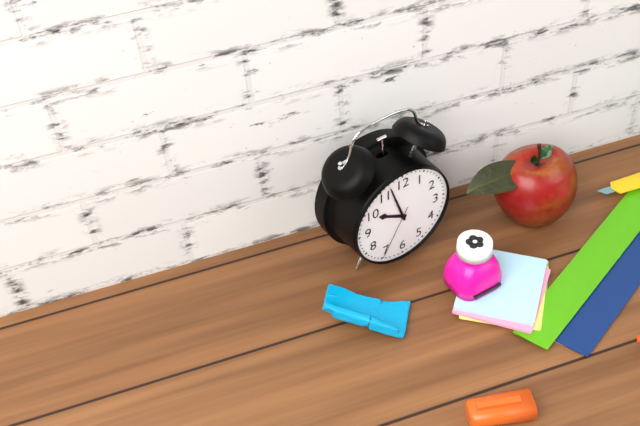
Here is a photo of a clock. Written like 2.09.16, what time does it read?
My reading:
9.57.35
